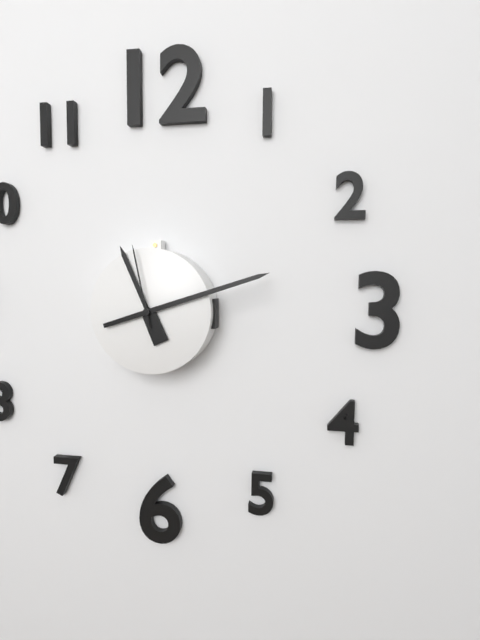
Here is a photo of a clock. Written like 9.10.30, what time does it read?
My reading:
11.12.58
